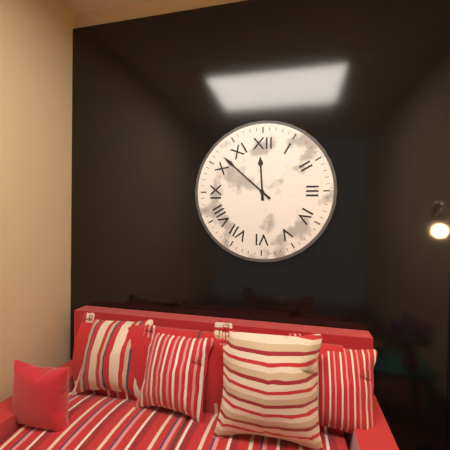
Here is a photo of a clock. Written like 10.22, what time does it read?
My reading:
11.52
